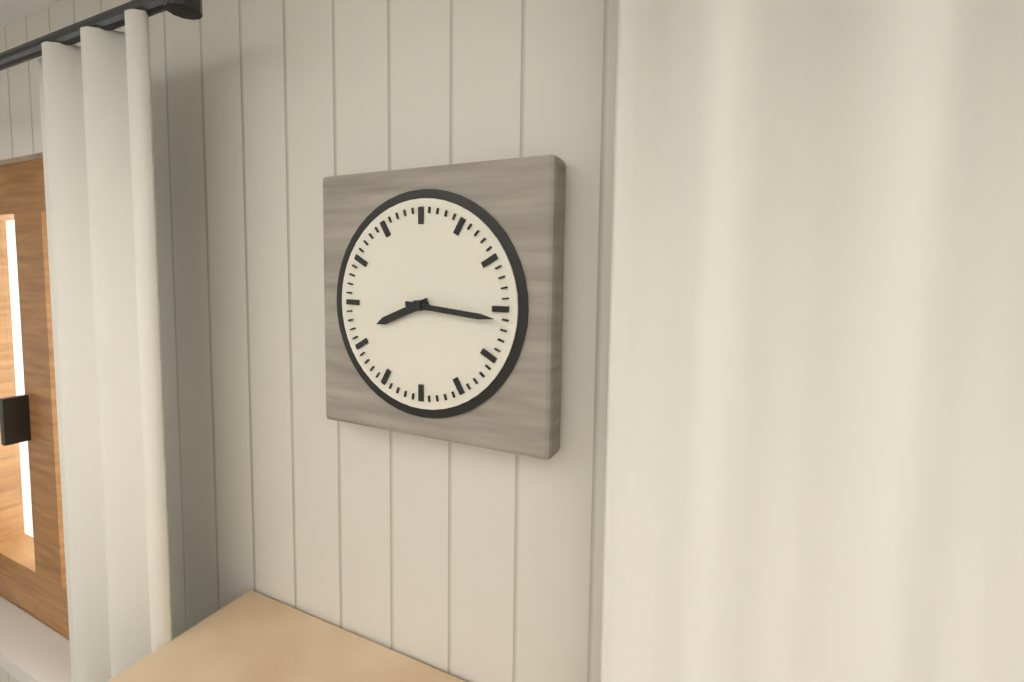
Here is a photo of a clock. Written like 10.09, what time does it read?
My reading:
8.16
